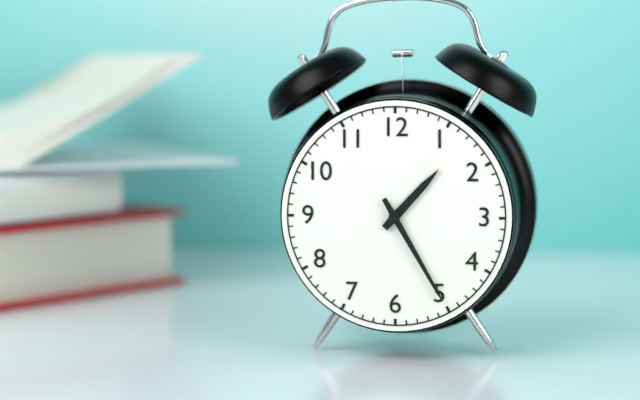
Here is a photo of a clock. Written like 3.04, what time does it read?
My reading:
1.25
